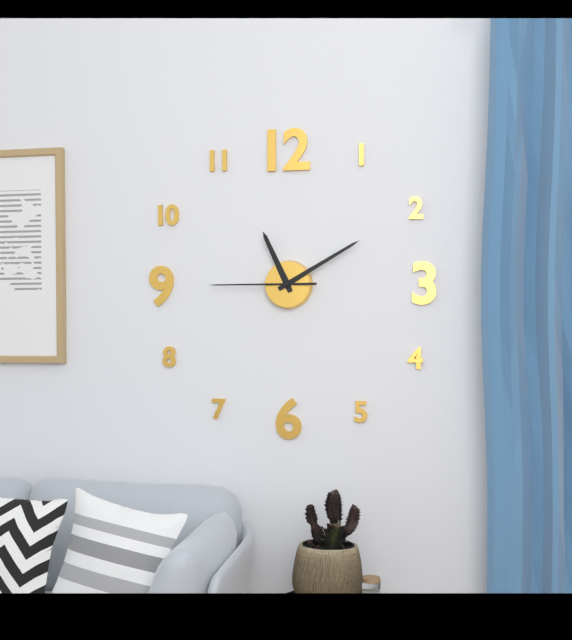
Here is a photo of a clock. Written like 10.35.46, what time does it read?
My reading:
11.10.45
